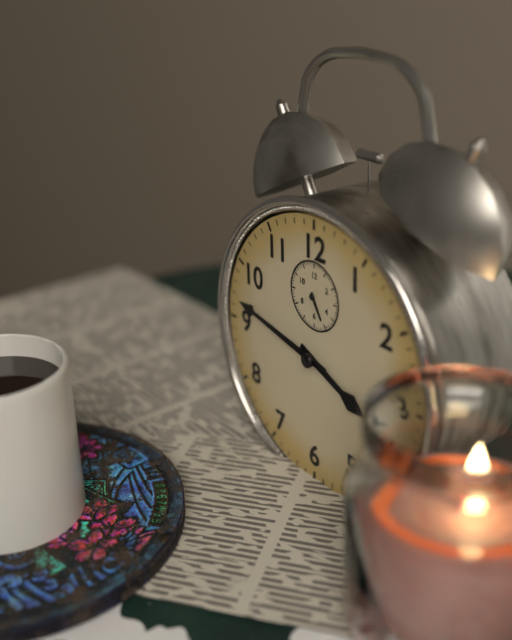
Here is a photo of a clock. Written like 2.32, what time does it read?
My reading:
3.47
